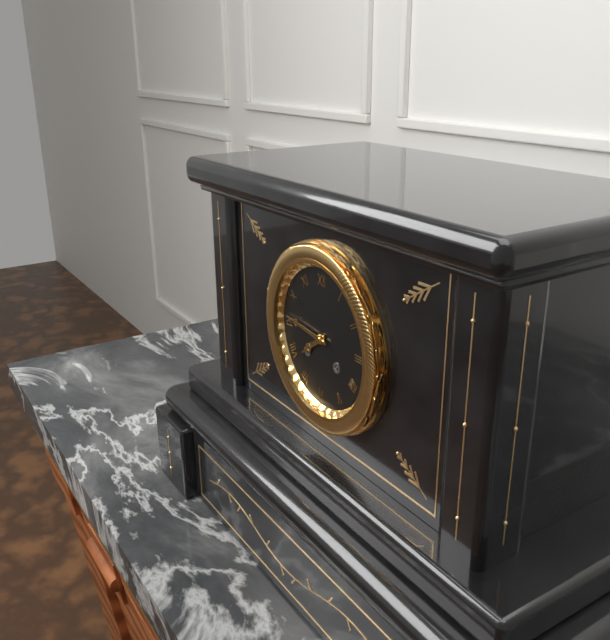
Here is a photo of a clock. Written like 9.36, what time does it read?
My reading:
7.46
